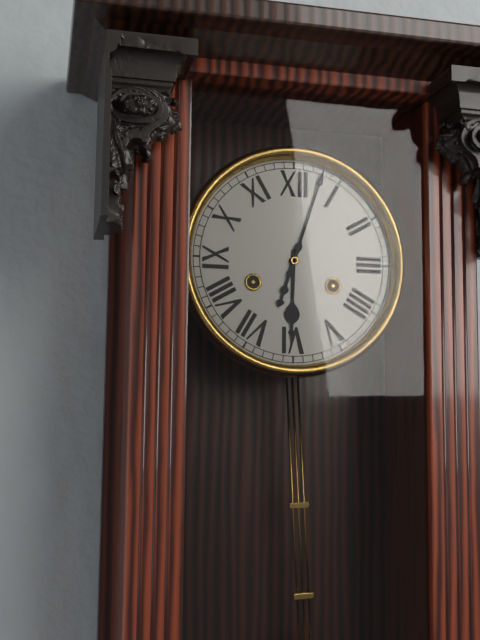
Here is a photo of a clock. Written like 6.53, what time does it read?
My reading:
6.03
